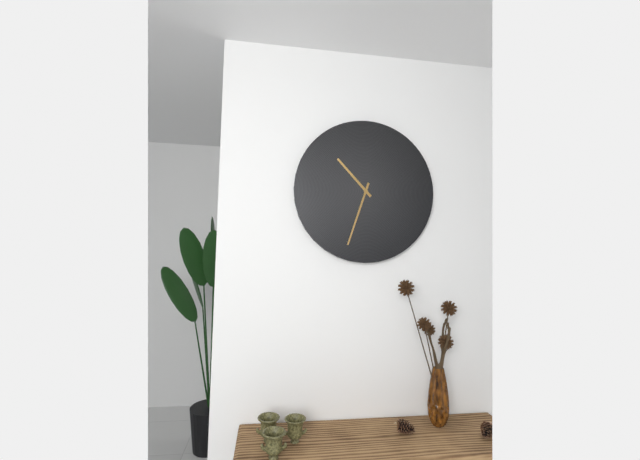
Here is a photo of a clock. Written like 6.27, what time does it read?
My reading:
10.33
